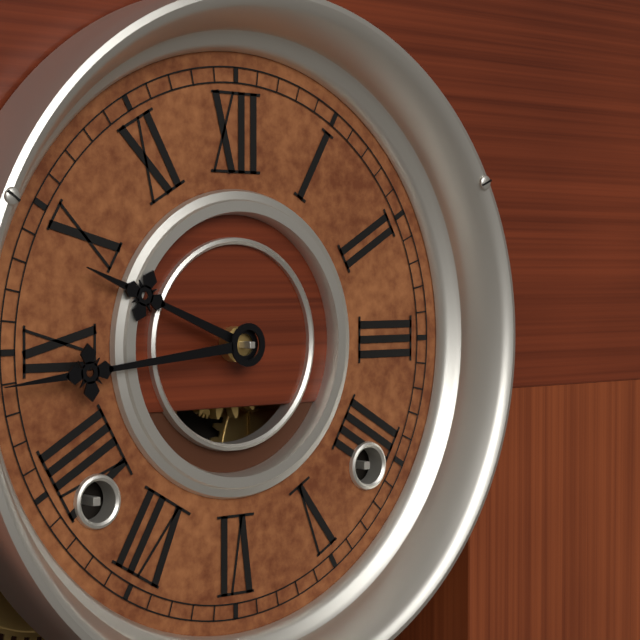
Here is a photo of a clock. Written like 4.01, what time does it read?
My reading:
9.44
